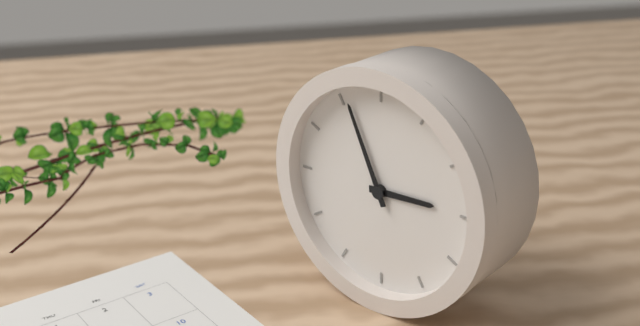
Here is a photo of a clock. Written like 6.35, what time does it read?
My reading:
2.56
